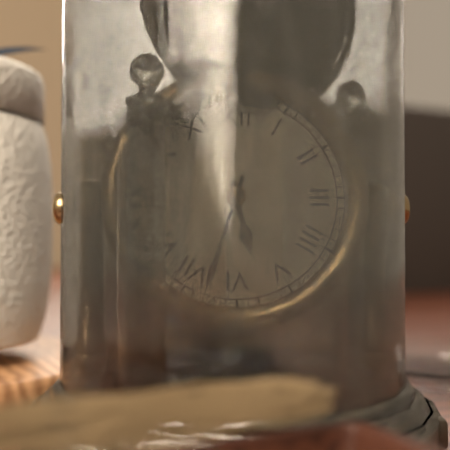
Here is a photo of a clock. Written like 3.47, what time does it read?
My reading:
5.33
